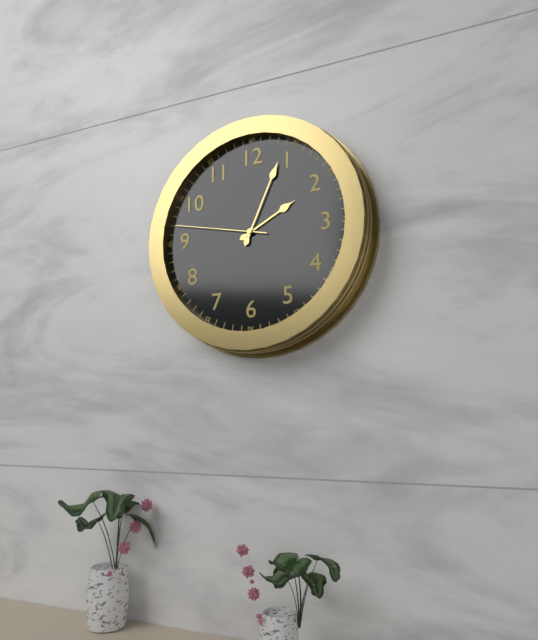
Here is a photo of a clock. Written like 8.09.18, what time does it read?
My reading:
2.04.47
